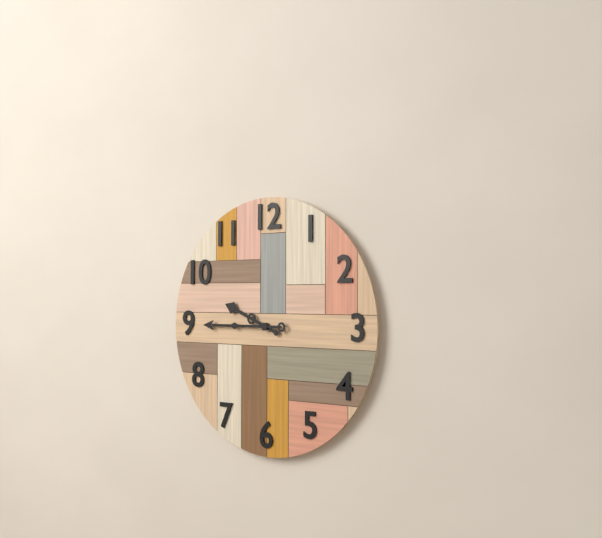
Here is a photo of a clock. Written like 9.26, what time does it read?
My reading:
9.45
